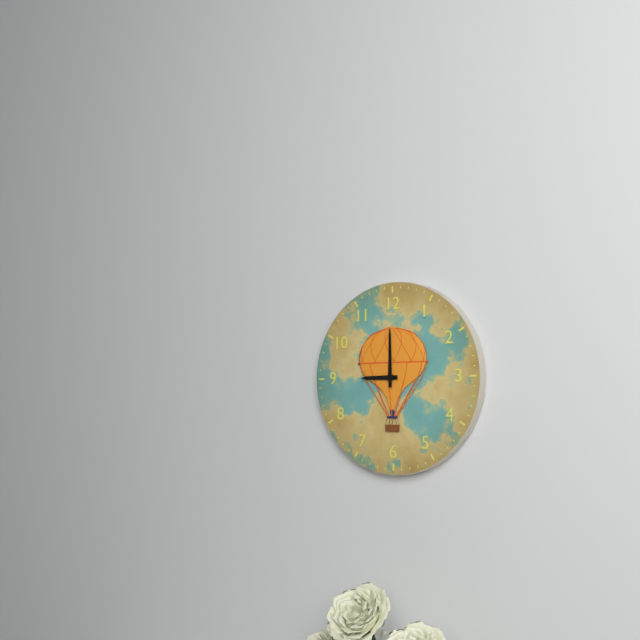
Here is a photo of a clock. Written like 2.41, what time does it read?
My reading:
9.00
